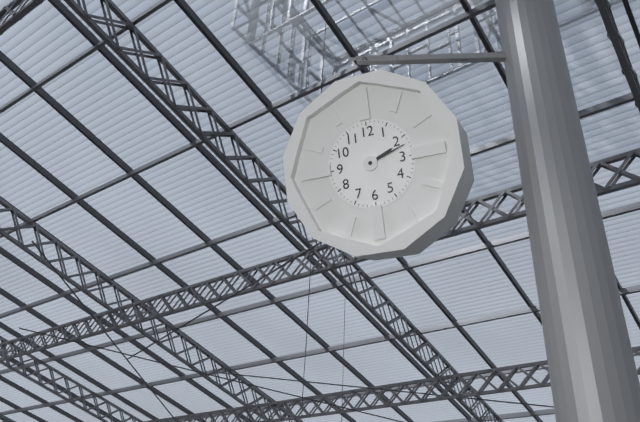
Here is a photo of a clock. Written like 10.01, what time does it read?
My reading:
2.12
